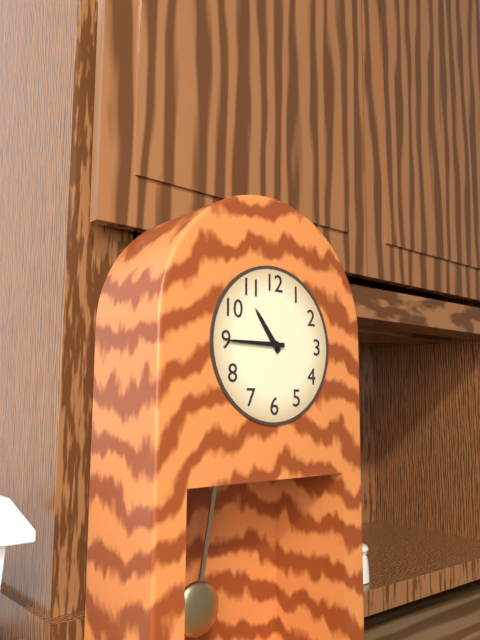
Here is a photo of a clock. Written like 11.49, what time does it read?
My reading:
10.45
